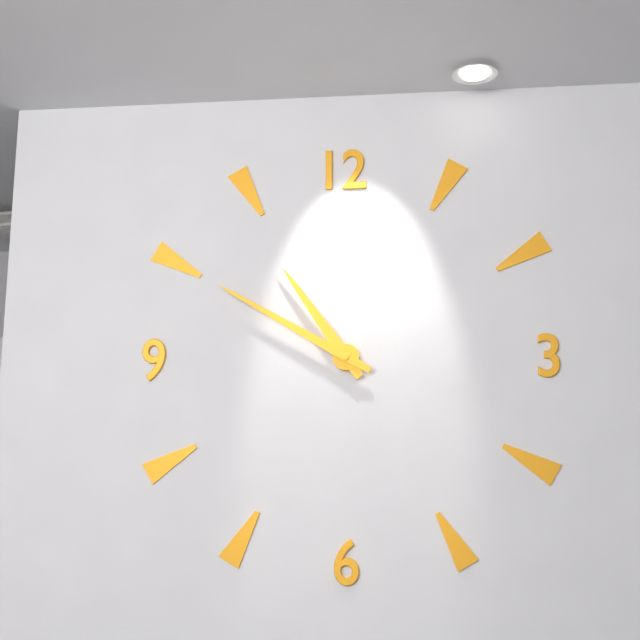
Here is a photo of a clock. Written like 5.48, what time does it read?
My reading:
10.50
